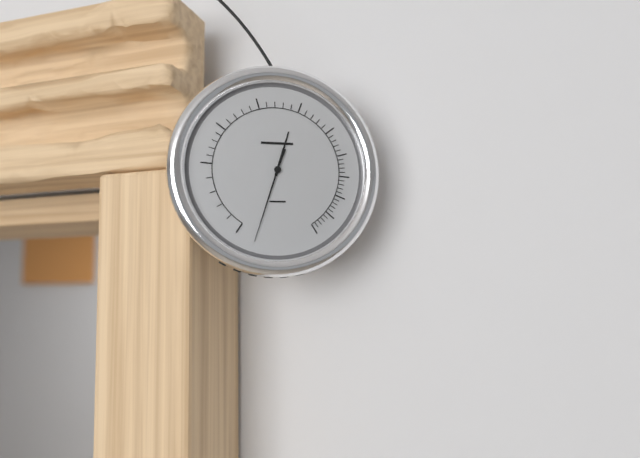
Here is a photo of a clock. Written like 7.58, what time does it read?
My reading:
12.33
